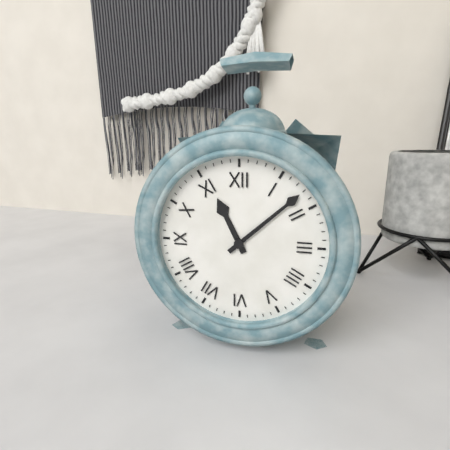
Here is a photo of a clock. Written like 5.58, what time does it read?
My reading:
11.08
